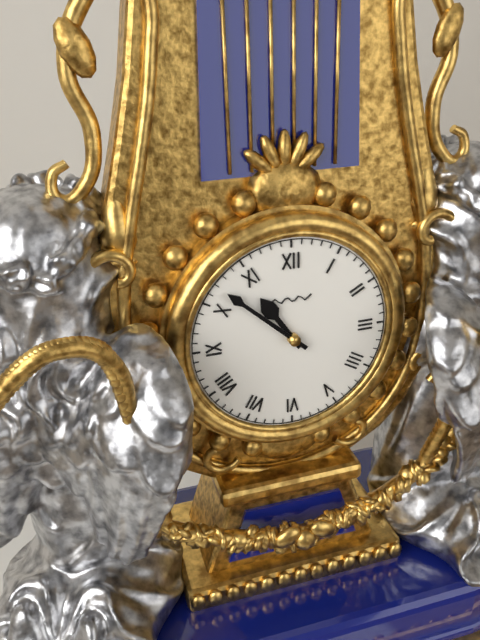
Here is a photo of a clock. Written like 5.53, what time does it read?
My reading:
10.52
